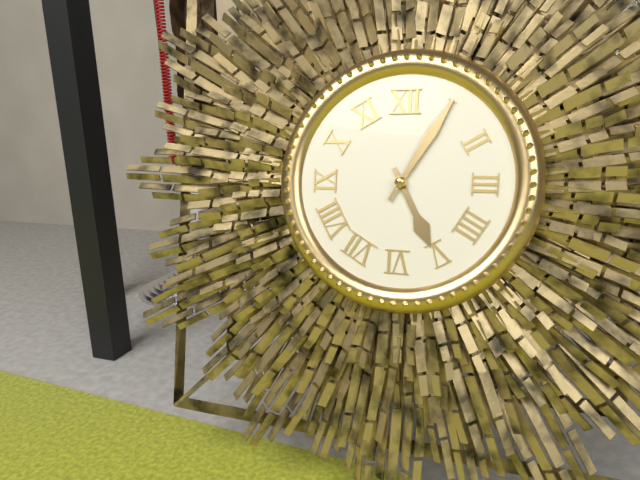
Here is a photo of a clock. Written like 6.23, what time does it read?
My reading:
5.05
